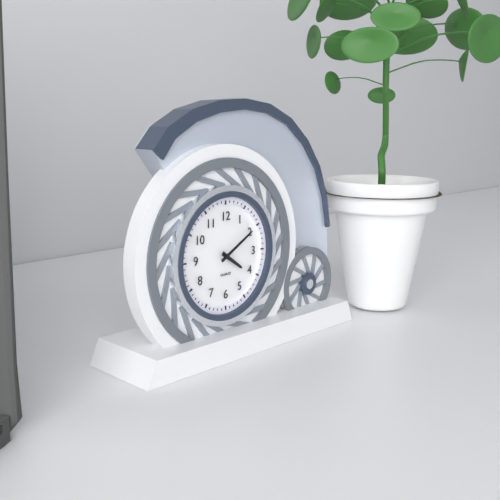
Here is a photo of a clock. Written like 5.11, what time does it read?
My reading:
4.10
